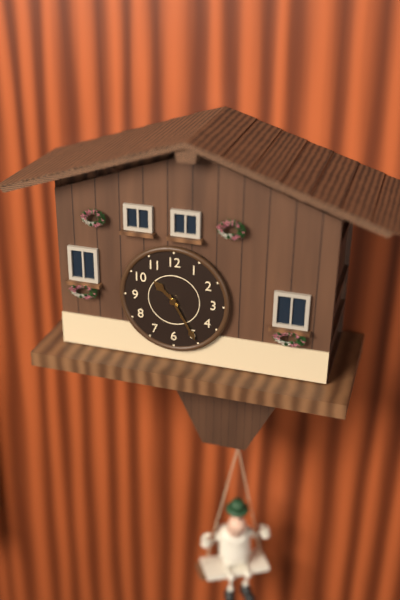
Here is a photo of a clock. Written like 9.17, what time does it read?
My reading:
10.25
